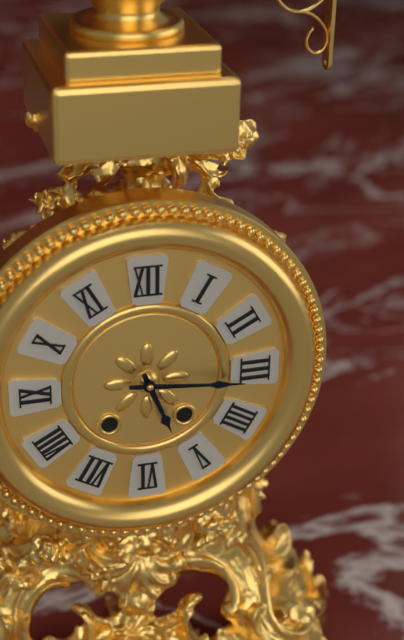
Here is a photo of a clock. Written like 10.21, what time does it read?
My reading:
5.16
